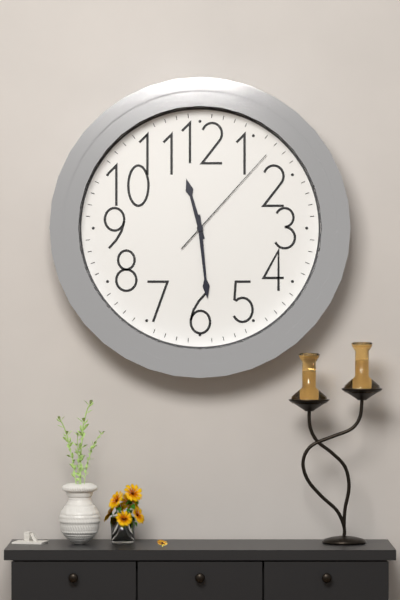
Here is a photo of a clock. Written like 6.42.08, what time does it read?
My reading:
11.29.07
